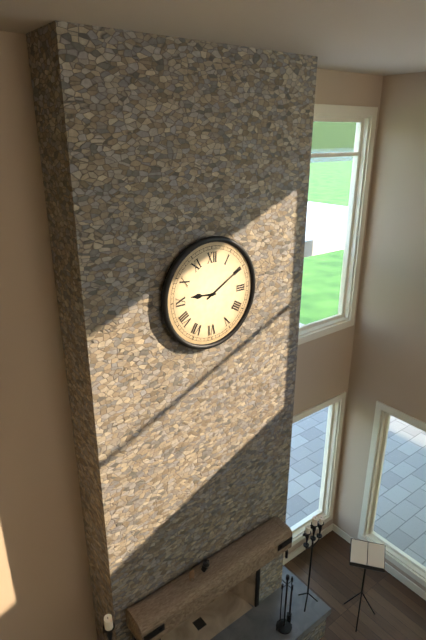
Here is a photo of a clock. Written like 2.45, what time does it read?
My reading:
9.10
